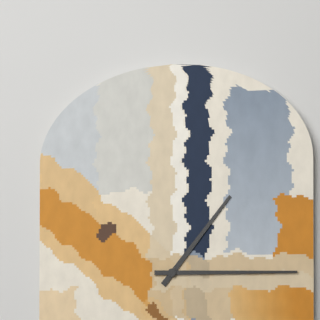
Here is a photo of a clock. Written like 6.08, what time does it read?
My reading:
1.15
